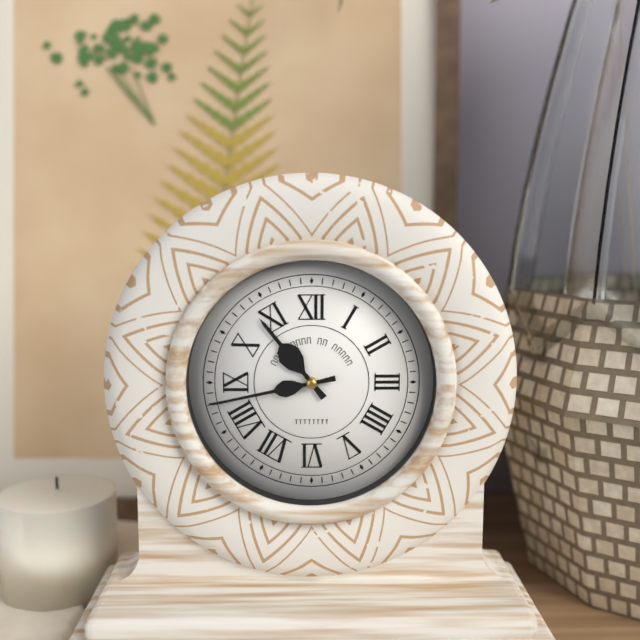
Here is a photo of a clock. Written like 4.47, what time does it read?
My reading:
10.43
